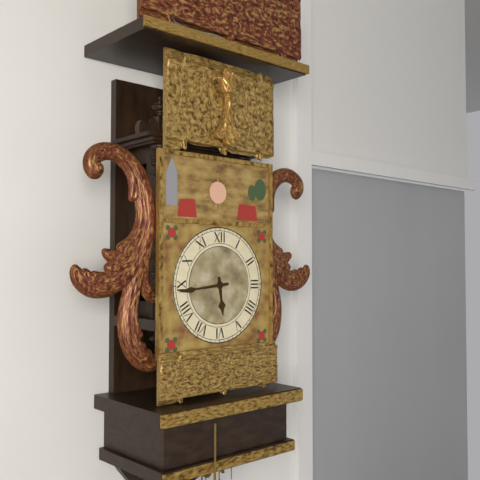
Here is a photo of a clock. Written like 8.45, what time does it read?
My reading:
5.44
